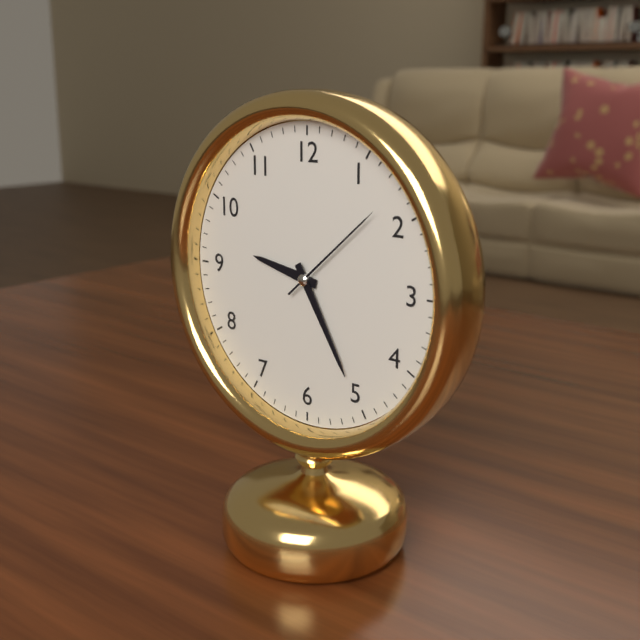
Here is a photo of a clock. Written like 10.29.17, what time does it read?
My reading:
9.25.08
